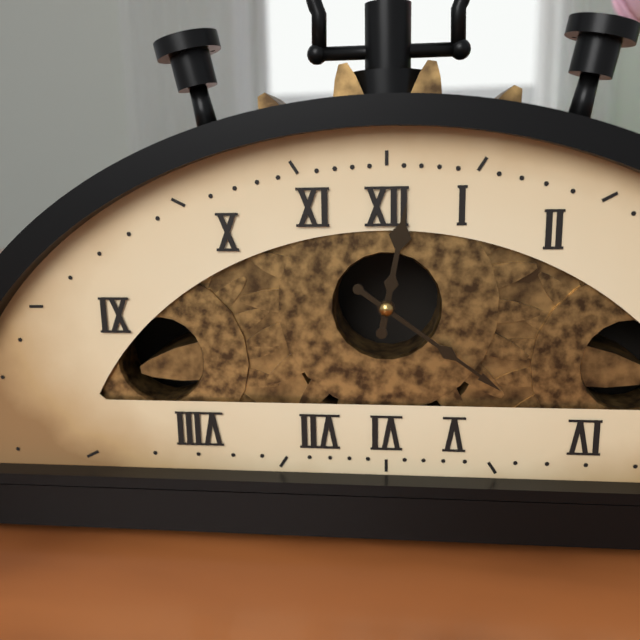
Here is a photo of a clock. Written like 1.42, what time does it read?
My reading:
12.21
